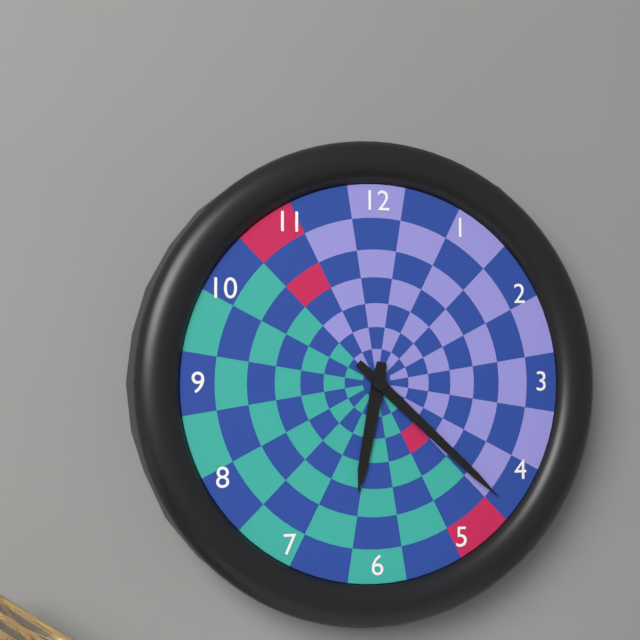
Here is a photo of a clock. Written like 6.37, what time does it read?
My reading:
6.22
